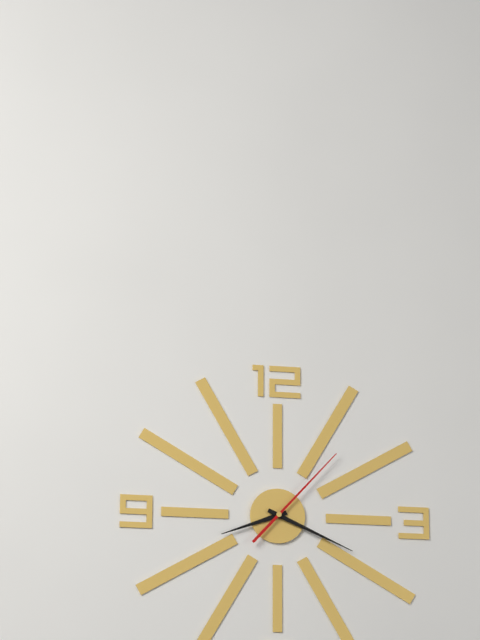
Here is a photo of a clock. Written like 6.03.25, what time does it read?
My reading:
8.19.07
